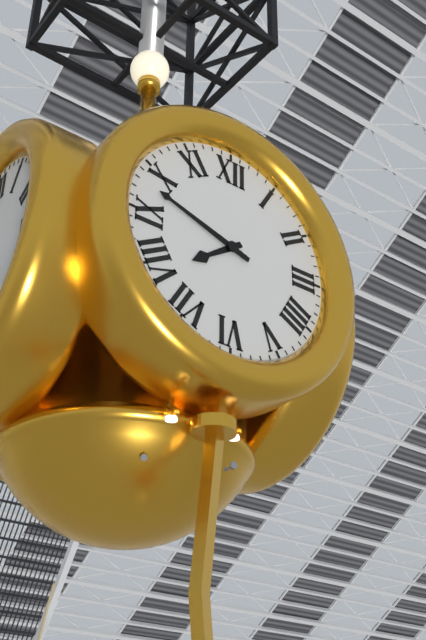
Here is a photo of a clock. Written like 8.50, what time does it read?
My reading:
7.48
